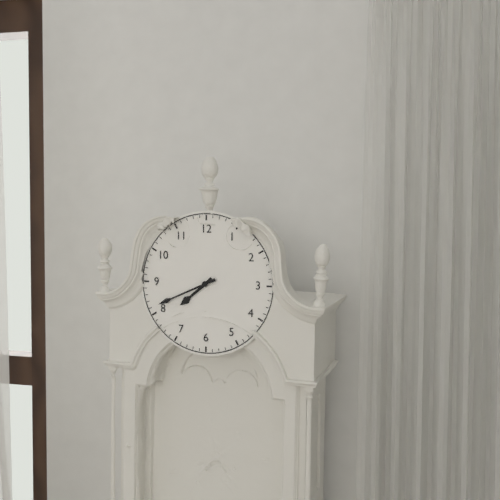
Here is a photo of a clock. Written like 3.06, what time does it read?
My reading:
7.41
